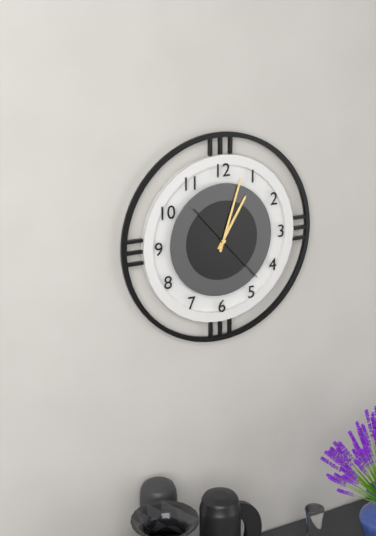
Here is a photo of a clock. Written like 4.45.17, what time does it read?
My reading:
1.03.23
